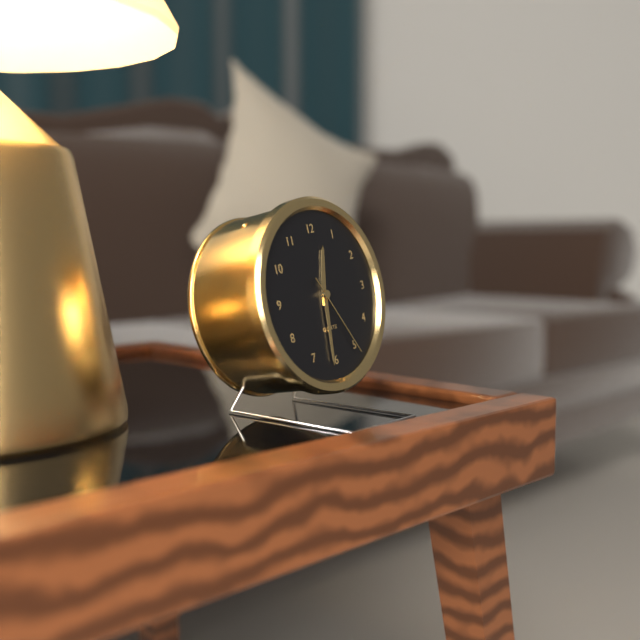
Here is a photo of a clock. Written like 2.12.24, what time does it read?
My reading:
12.31.25
